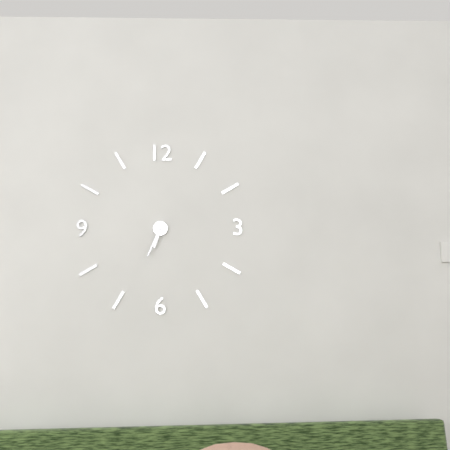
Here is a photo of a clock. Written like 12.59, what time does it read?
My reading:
6.34
